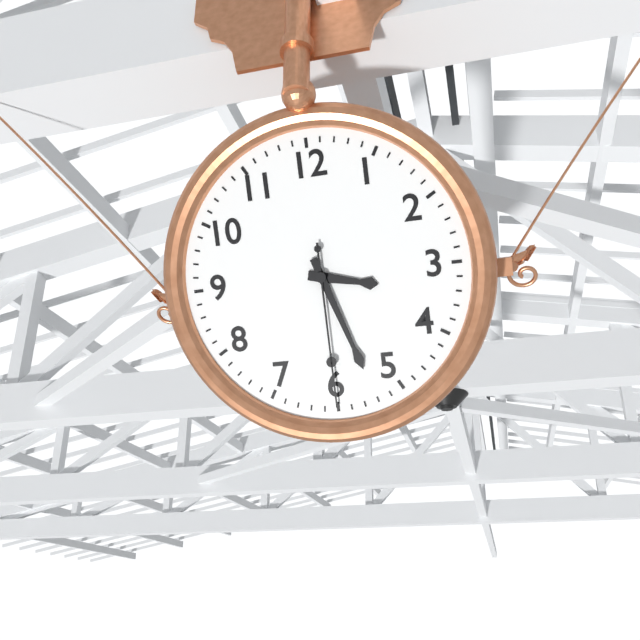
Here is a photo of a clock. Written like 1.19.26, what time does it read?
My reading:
3.27.30
